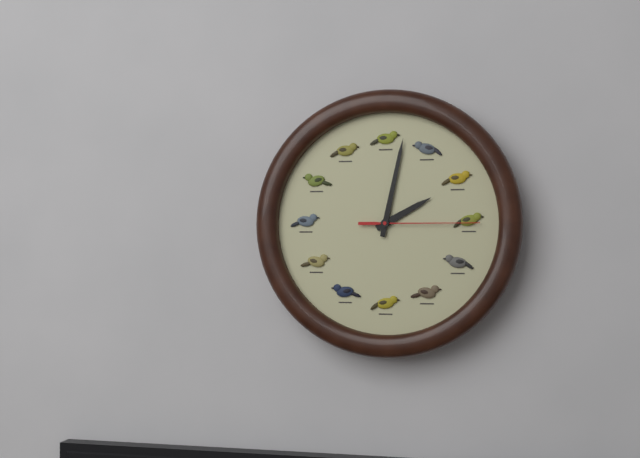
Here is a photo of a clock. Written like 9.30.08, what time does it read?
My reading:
2.02.15
